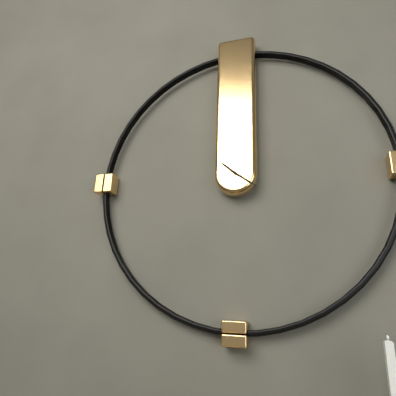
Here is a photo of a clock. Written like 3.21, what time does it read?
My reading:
10.21
